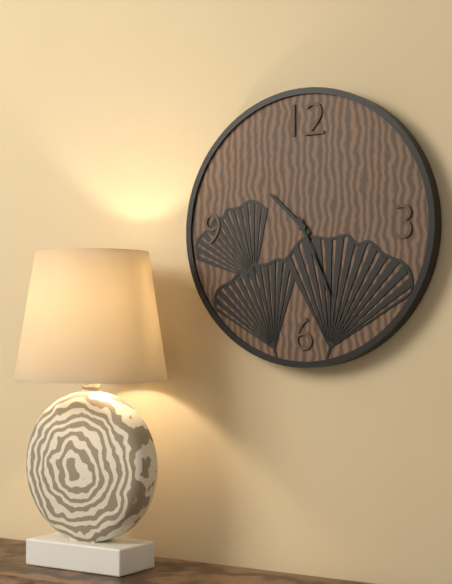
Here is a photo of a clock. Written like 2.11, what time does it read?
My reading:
10.26
